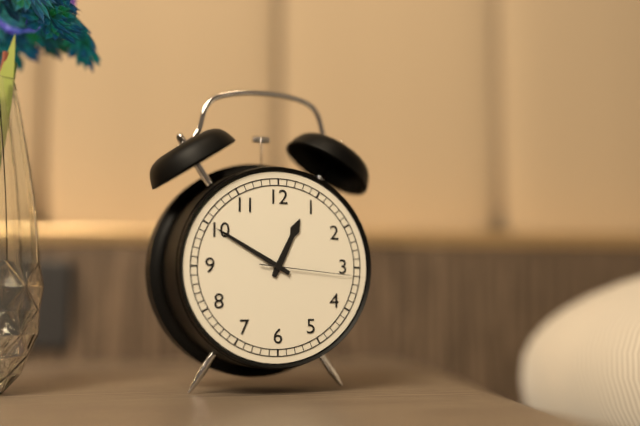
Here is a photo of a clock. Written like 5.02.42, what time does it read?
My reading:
12.50.16
